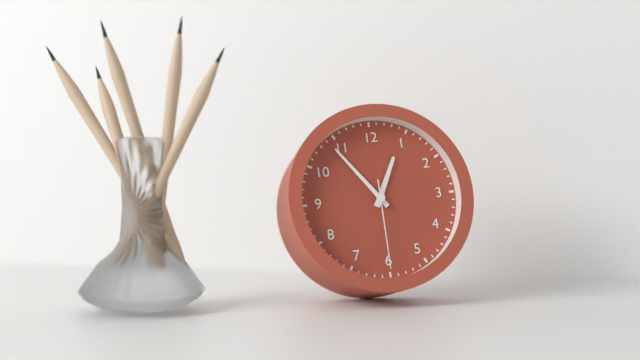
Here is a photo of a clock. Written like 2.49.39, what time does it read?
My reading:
12.54.30
